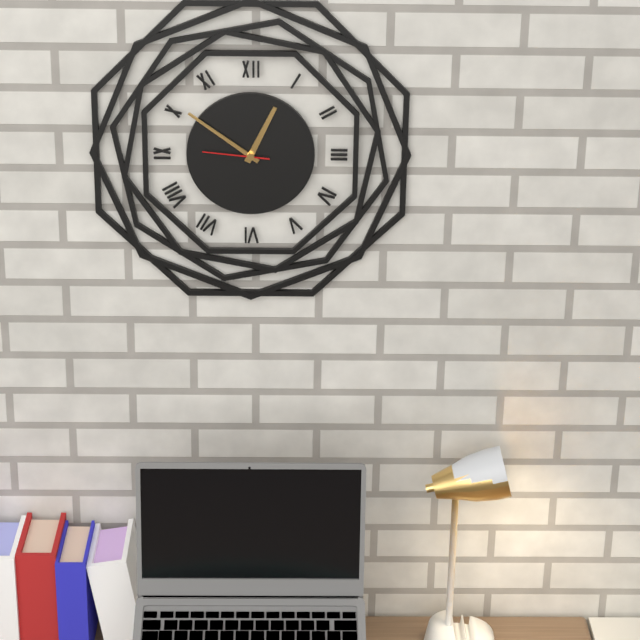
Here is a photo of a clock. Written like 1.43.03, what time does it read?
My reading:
12.51.46
